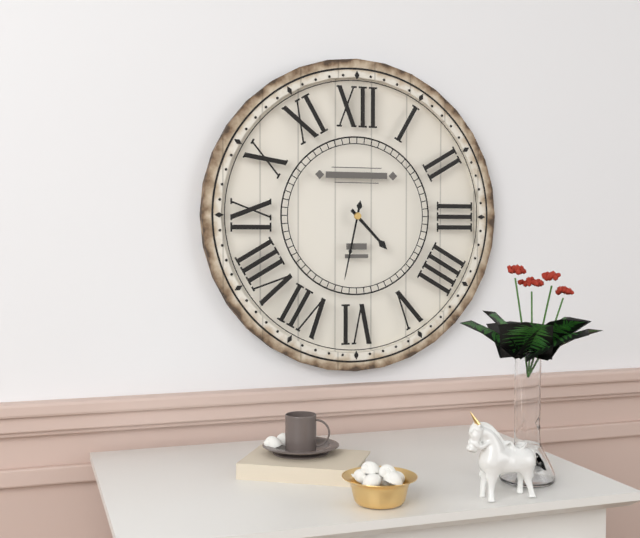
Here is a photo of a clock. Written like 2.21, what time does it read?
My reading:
4.32
